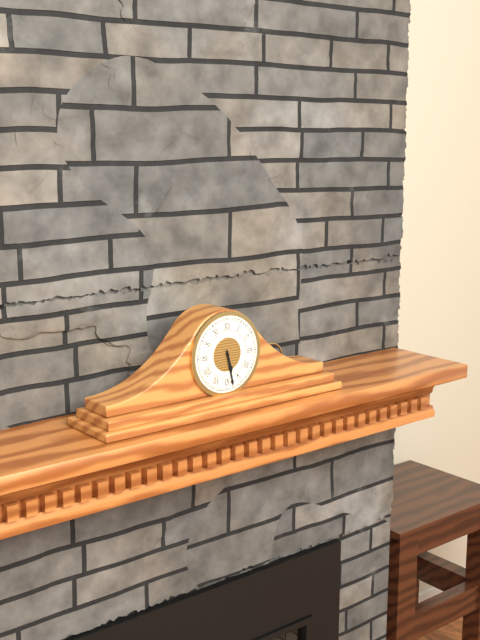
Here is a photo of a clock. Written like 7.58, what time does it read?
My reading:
5.28
